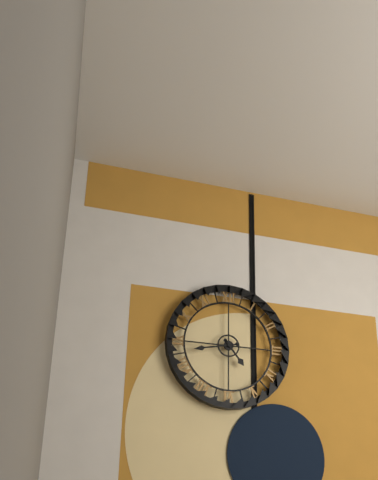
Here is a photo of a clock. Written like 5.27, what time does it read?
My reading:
4.43
